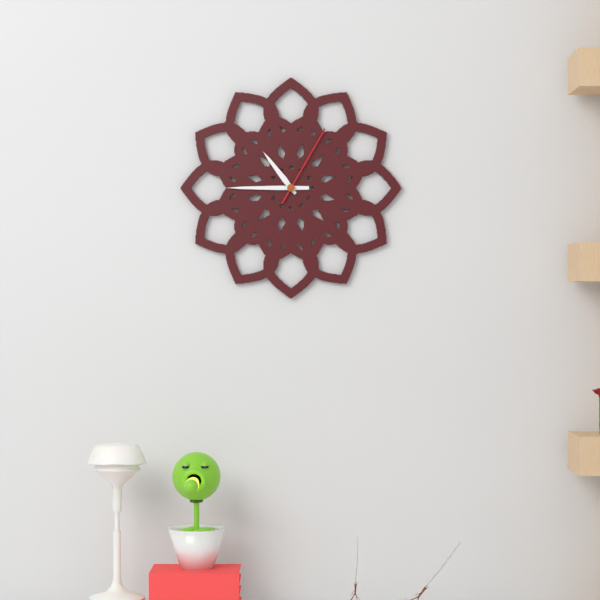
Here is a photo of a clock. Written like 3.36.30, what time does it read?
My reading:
10.45.05
